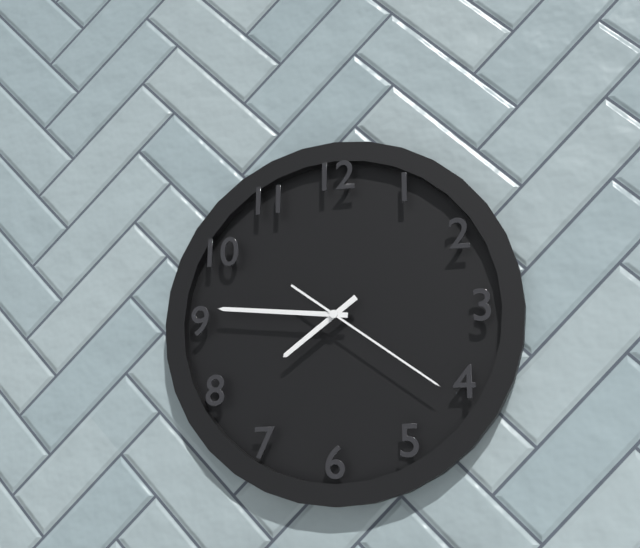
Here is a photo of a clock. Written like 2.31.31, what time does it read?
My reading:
7.46.21
